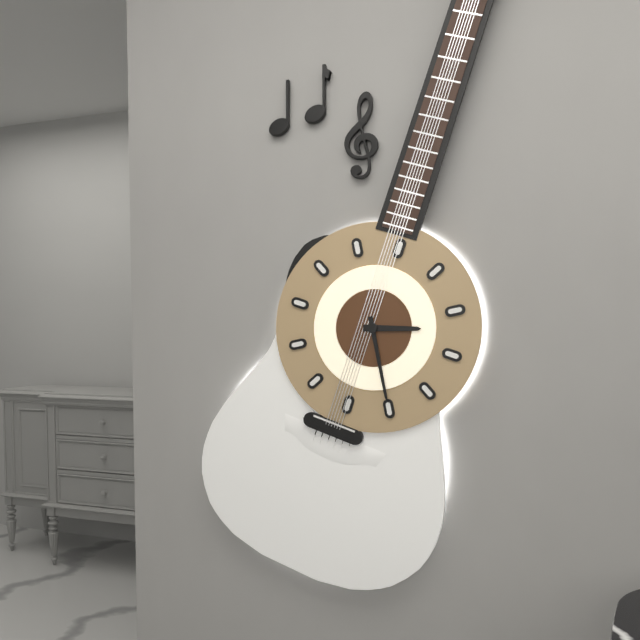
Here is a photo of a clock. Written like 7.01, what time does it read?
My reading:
2.25
